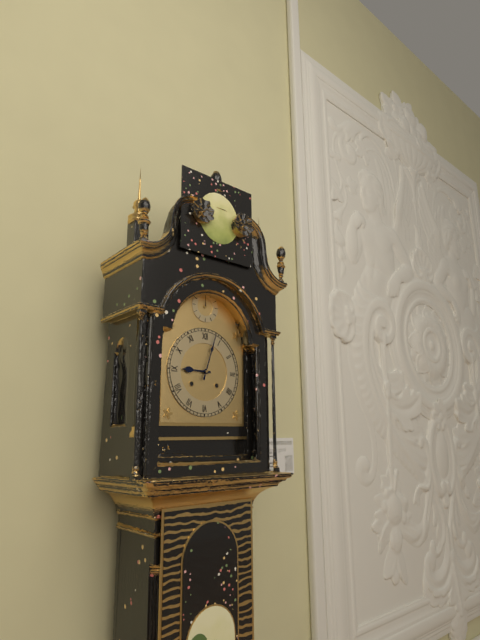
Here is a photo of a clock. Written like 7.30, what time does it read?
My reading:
9.03
